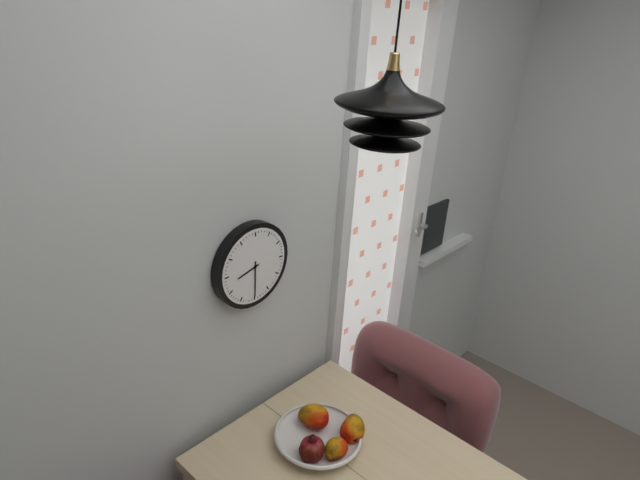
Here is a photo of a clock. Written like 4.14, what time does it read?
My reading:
8.30
